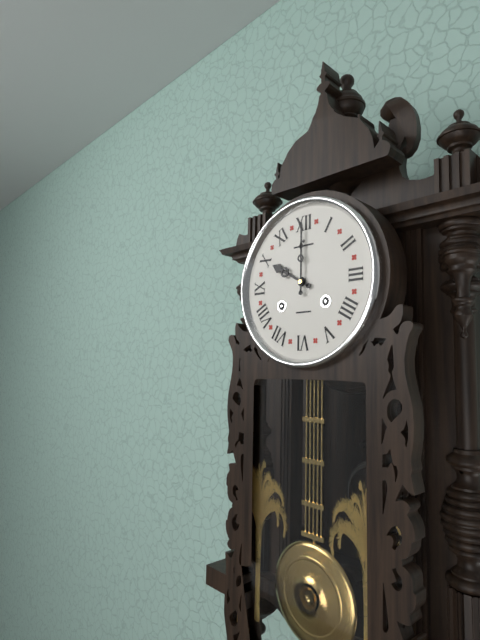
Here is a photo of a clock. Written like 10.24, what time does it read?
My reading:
10.00
